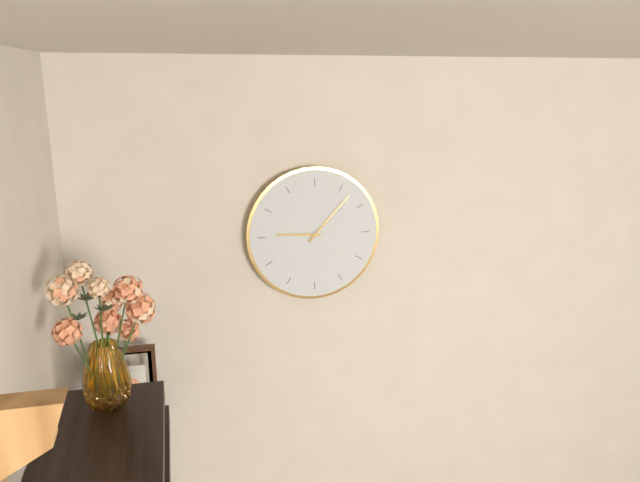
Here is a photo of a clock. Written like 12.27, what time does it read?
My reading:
9.07
